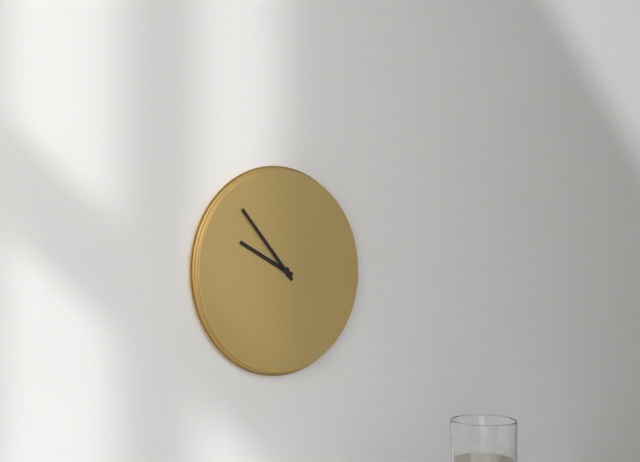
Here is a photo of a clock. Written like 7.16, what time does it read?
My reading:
9.53
